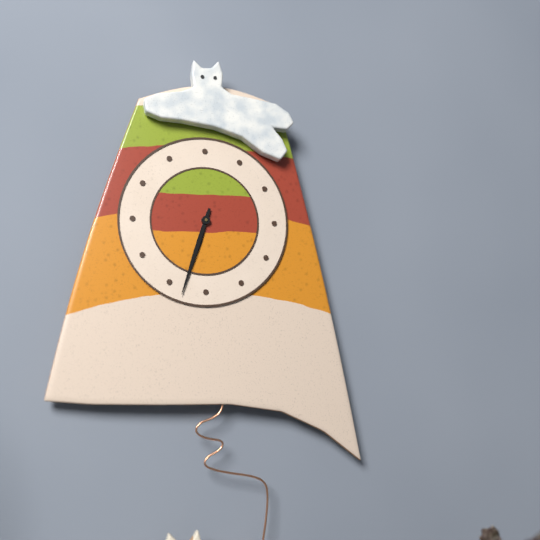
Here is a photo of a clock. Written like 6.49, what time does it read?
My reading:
6.33
